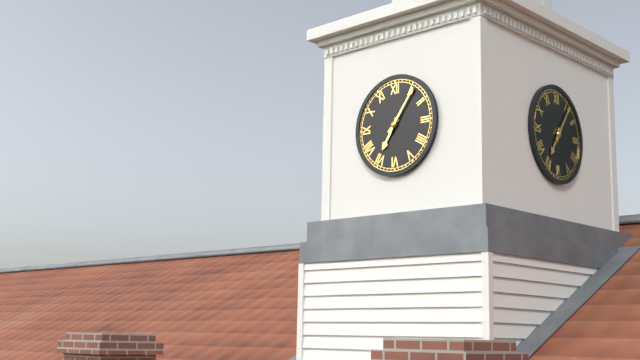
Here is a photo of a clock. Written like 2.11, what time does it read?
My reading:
7.06
